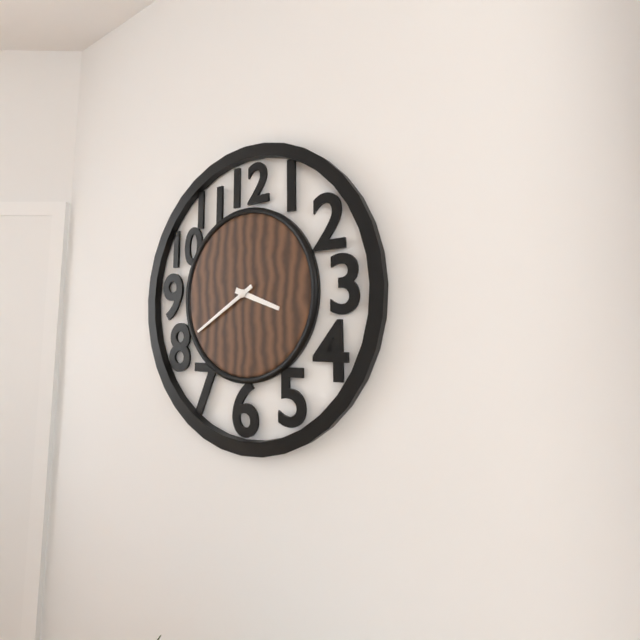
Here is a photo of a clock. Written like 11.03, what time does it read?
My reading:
3.40
